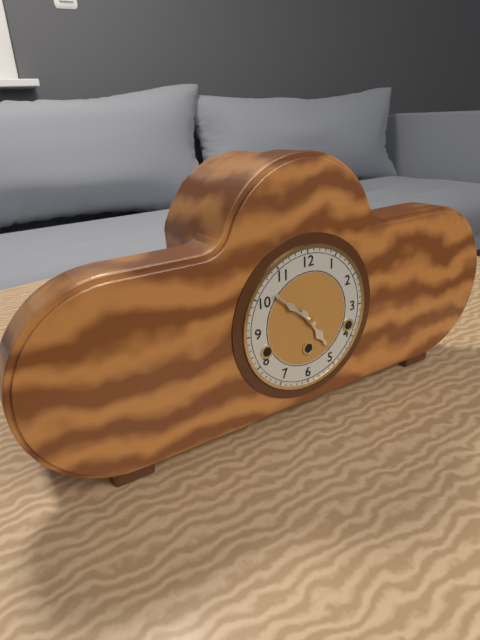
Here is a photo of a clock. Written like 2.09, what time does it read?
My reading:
4.52
